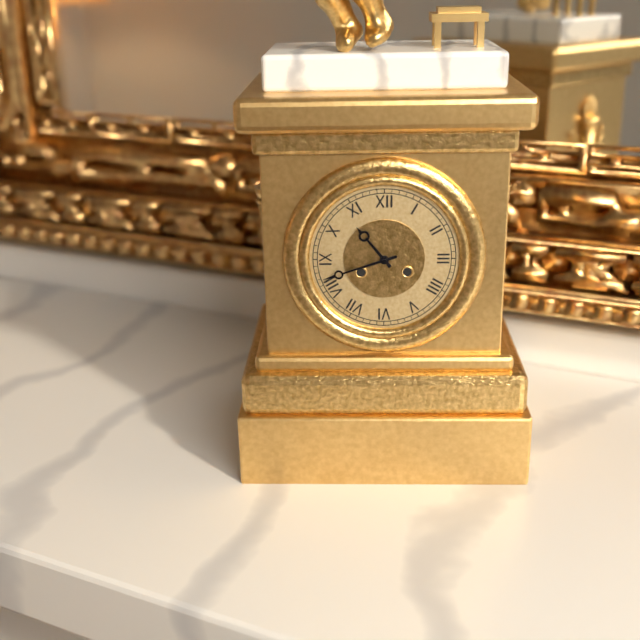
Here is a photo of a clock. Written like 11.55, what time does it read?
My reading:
10.42
